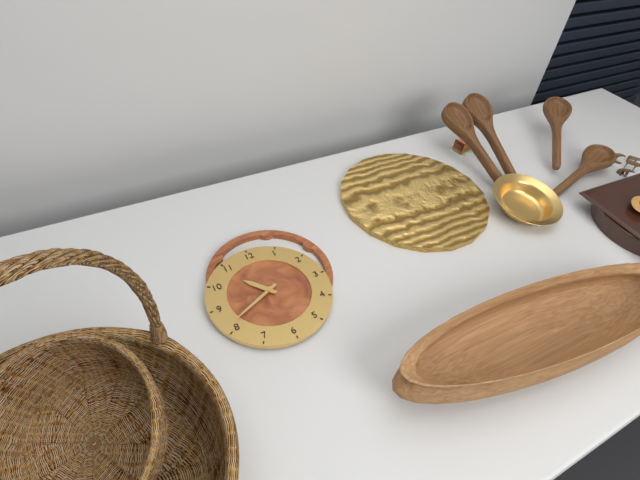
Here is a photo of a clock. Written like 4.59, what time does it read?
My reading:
10.41
